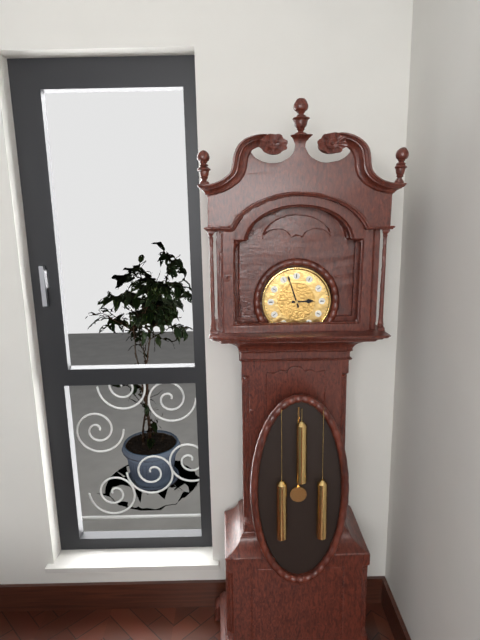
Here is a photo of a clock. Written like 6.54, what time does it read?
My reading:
2.57
